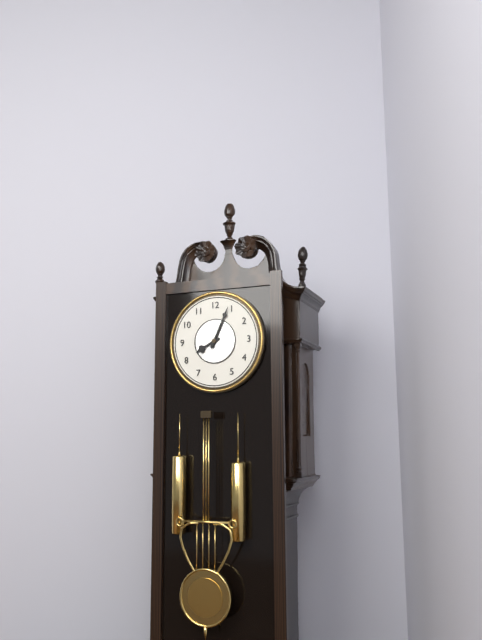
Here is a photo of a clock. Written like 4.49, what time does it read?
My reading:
8.04
